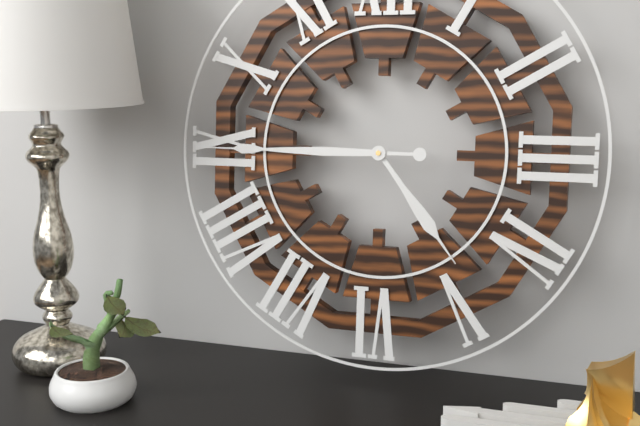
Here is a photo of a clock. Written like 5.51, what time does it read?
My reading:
4.45
